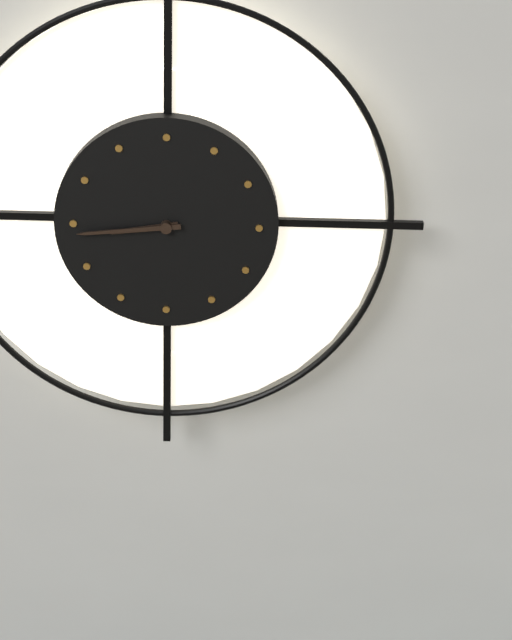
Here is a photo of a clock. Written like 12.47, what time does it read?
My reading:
8.44
